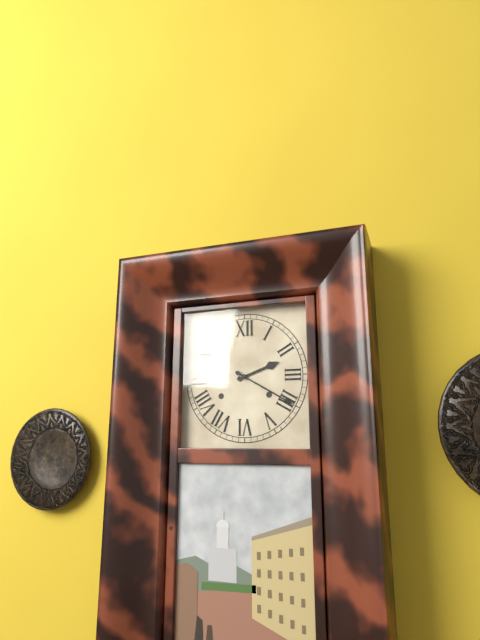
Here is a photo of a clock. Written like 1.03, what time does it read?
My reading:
2.20
